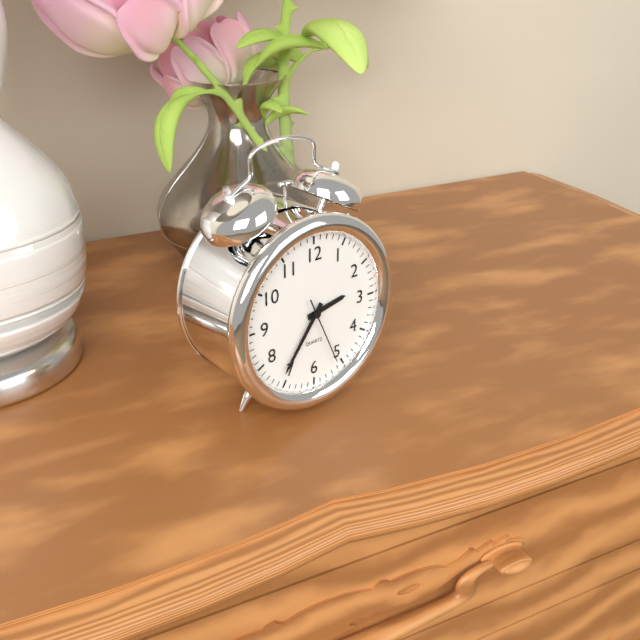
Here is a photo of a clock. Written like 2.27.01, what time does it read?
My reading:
2.36.26
